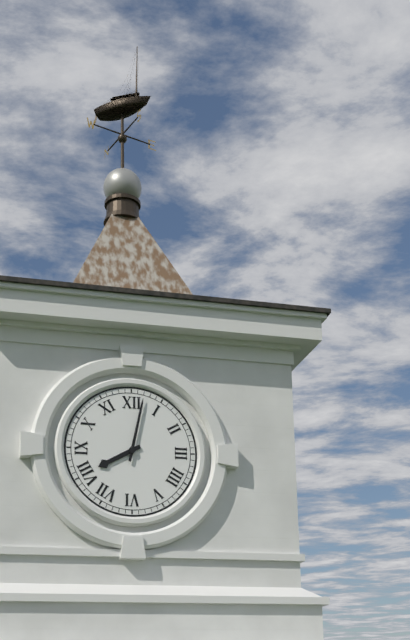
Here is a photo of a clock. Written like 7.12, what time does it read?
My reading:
8.02
